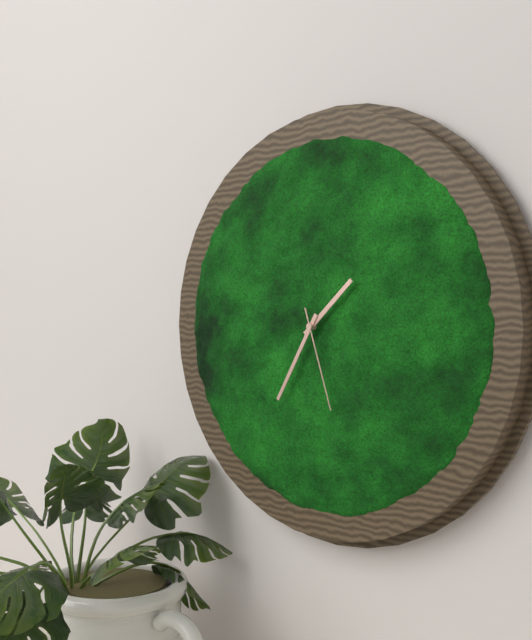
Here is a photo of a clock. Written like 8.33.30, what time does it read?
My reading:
1.35.27
